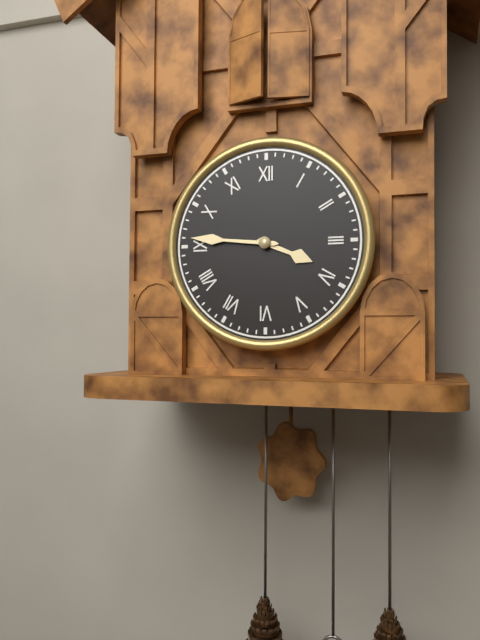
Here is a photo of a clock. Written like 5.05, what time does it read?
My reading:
3.46
